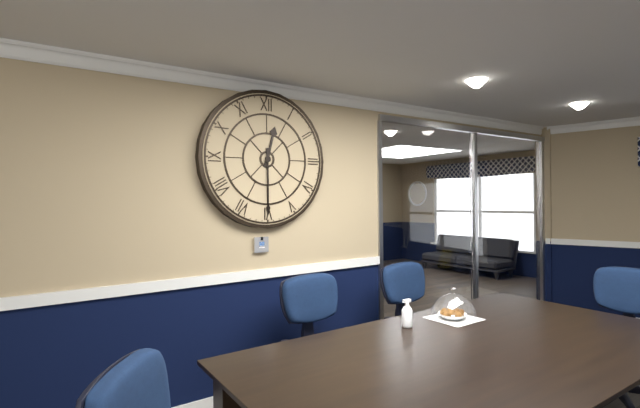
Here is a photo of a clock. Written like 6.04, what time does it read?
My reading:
12.30
